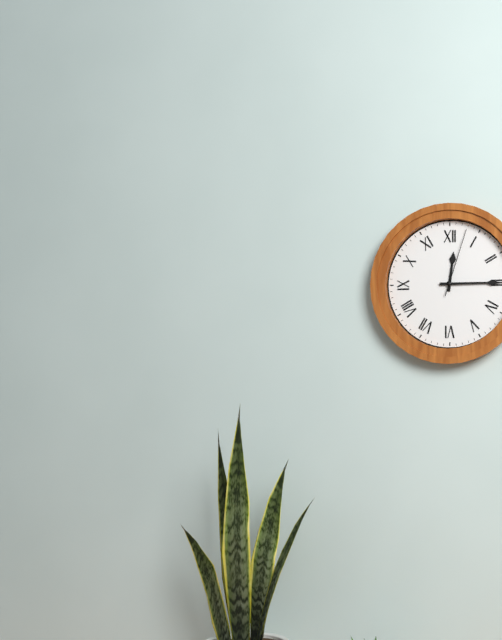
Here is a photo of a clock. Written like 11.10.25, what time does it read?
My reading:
12.15.03
